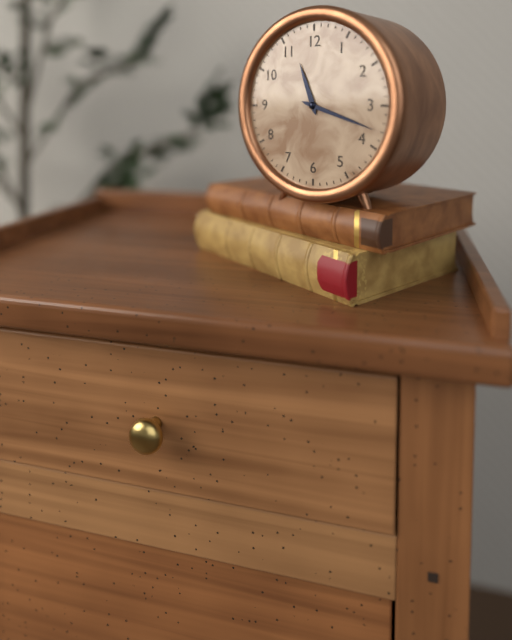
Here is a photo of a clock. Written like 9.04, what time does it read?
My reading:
11.18
